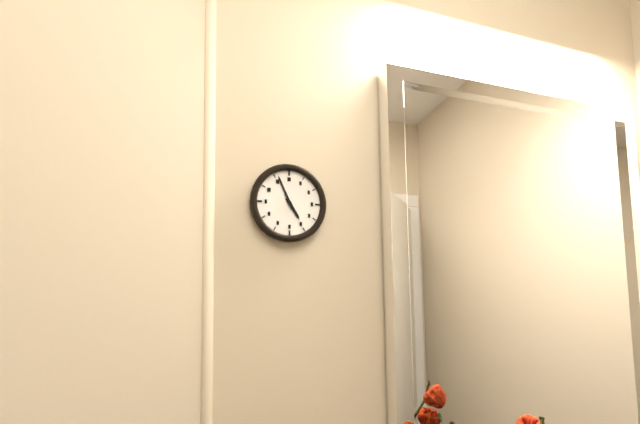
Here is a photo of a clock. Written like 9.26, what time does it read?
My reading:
4.56
